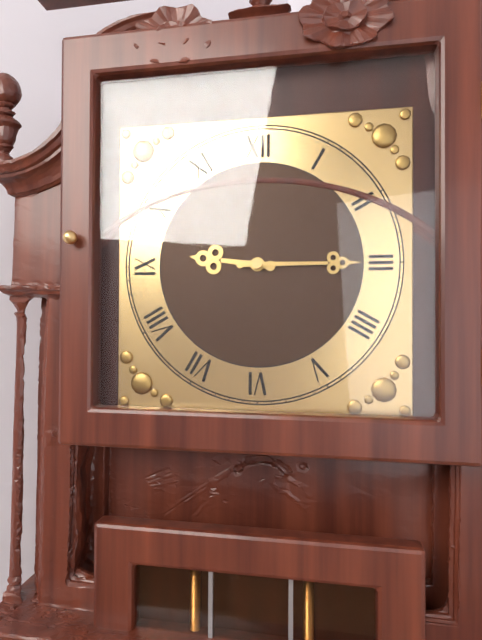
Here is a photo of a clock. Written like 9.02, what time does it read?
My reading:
9.15
